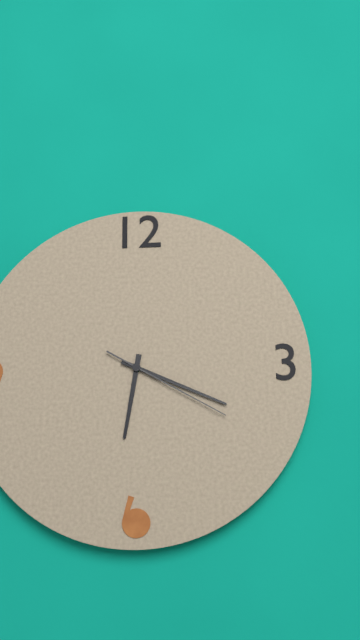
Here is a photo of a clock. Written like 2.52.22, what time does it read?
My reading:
6.19.20
